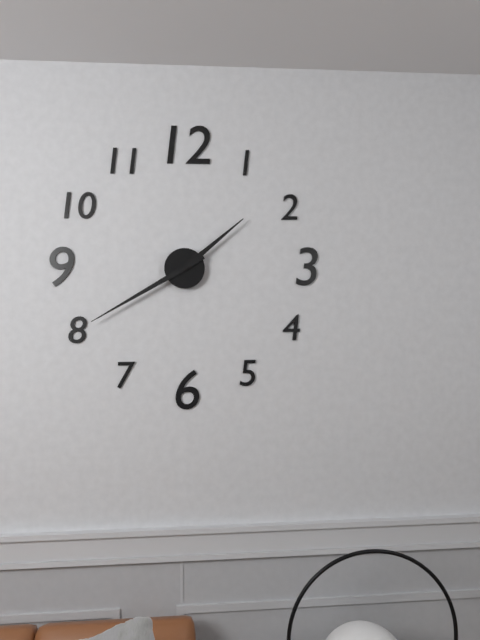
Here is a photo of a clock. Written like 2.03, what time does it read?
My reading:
1.40
